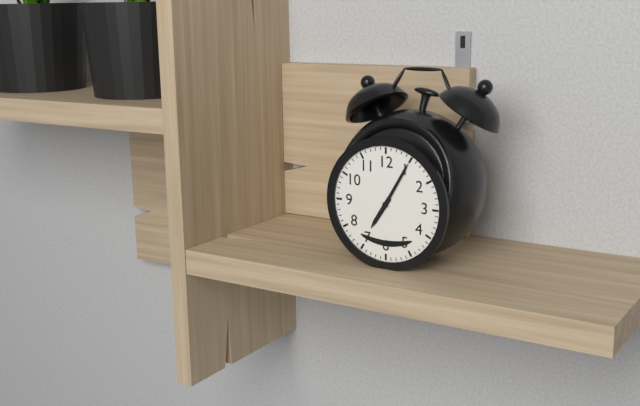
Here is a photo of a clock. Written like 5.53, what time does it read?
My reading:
7.05
